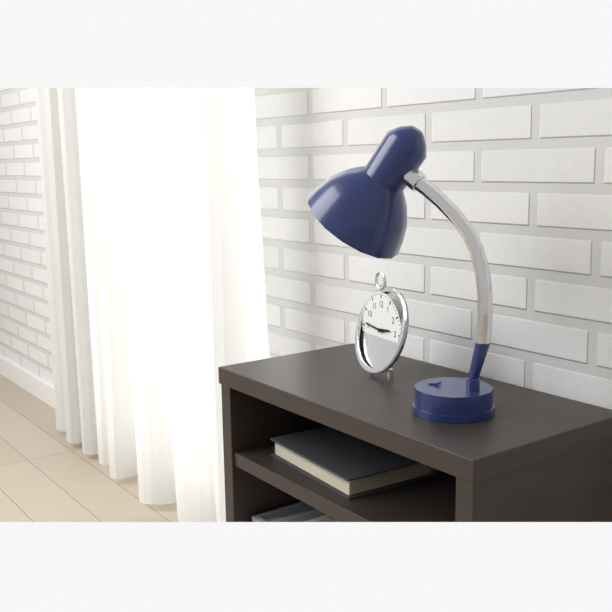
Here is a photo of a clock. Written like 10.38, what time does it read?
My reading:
2.46
